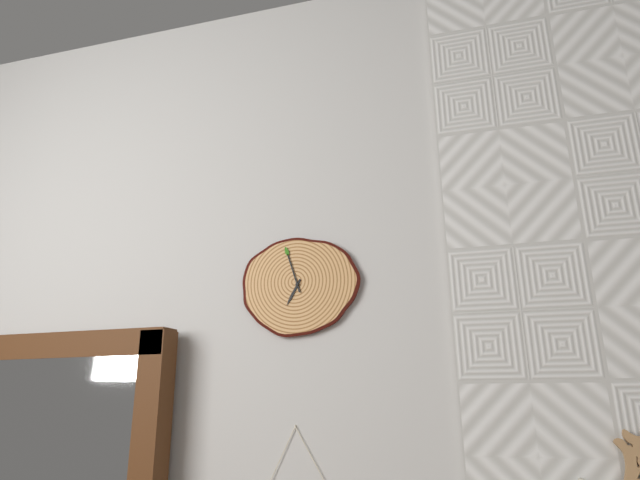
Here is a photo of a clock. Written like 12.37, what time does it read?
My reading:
6.57
